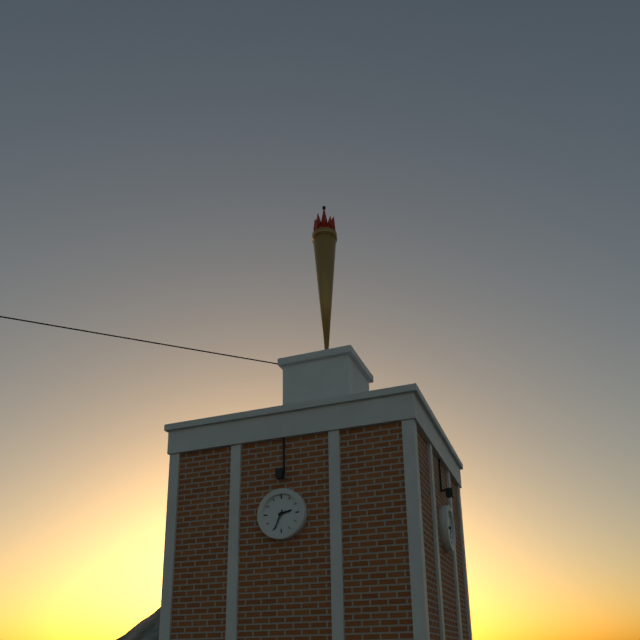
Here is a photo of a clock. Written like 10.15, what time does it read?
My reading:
2.34
